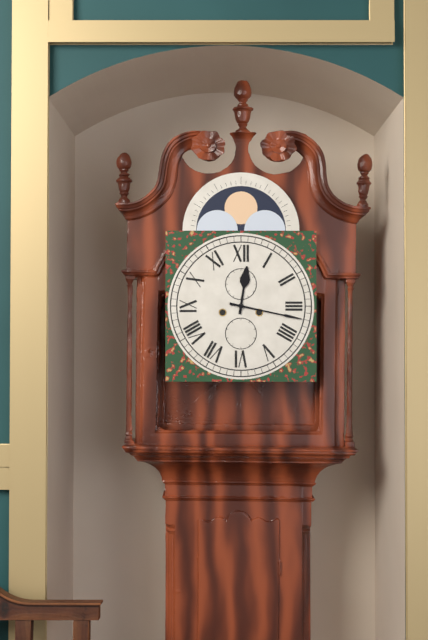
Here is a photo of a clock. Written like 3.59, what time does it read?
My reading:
12.17
